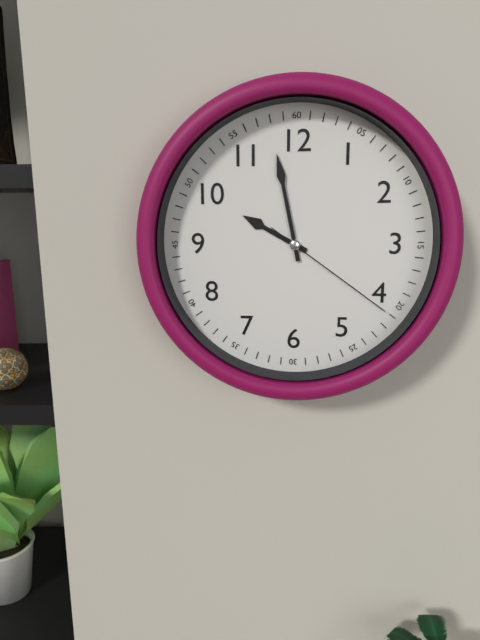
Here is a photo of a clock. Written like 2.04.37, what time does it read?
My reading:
9.58.21
